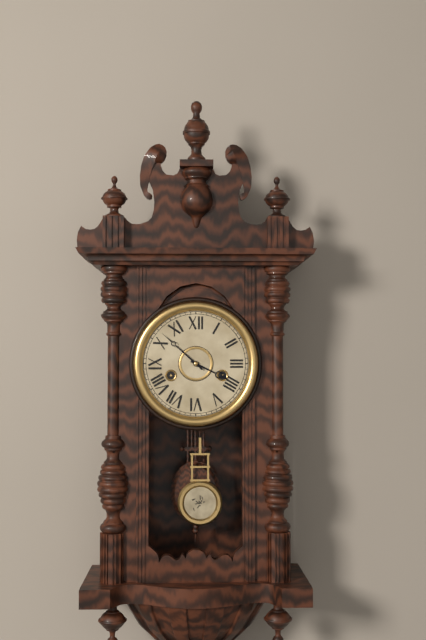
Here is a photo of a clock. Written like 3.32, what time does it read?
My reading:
3.52
